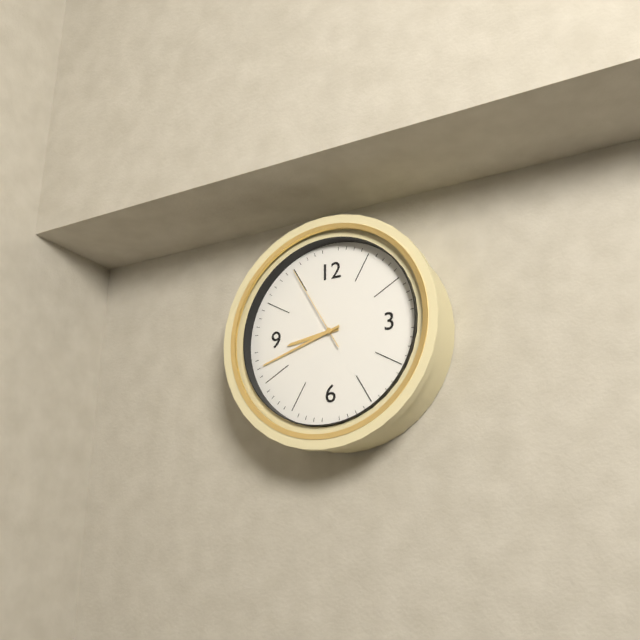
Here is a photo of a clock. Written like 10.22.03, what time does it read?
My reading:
8.42.55
